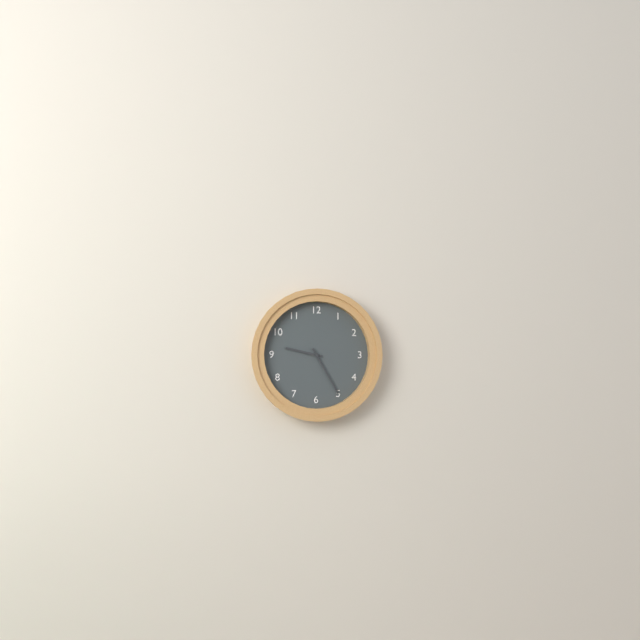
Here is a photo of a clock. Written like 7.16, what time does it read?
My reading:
9.25
